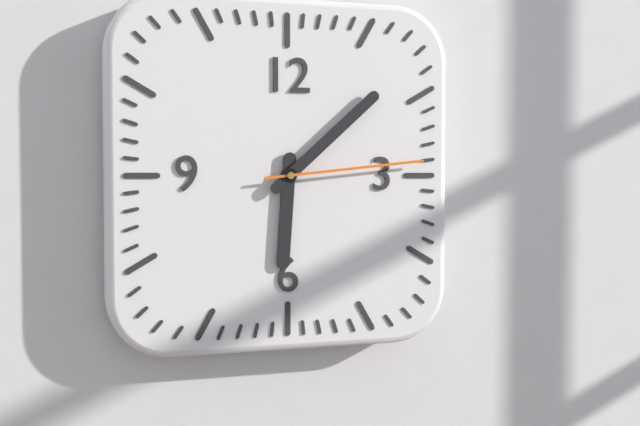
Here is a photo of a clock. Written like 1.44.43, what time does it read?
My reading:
6.08.14
